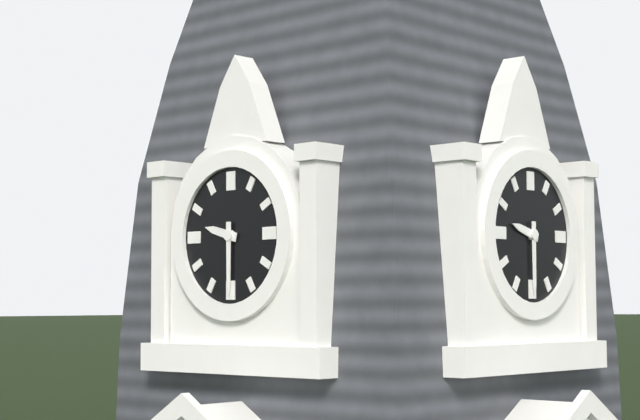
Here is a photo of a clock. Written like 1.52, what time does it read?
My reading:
9.30
